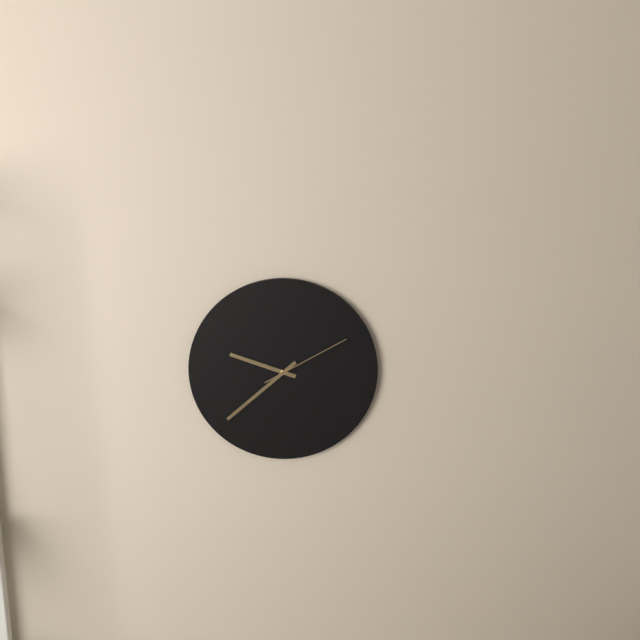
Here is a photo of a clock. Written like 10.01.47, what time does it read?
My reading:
9.38.10
